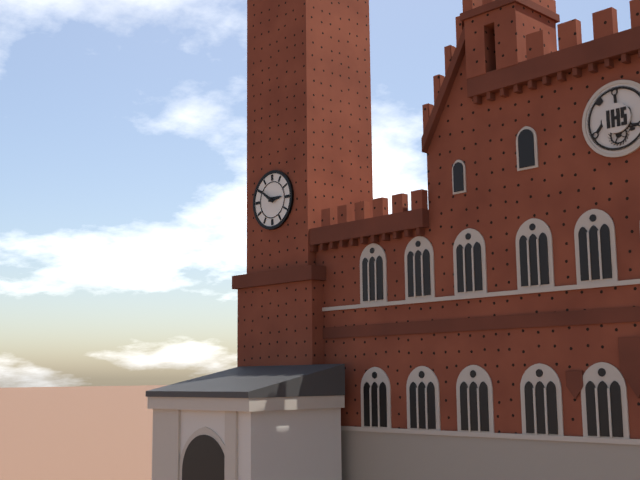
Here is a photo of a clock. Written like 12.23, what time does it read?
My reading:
2.51
